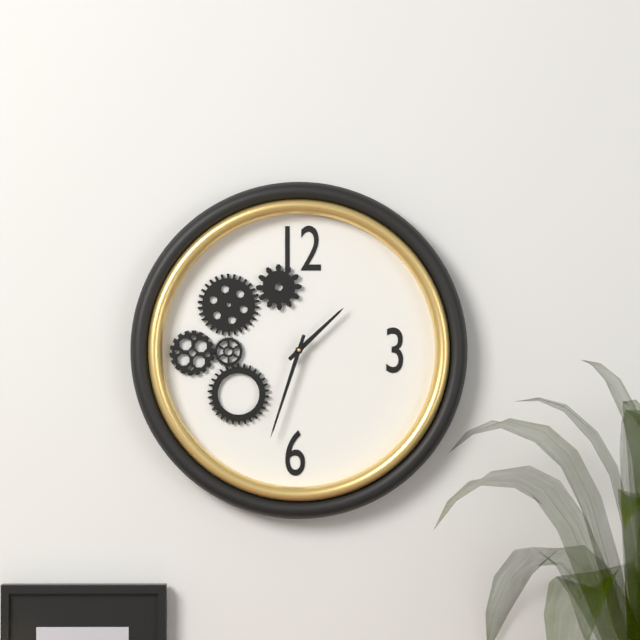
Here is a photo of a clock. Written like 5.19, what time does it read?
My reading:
1.33
